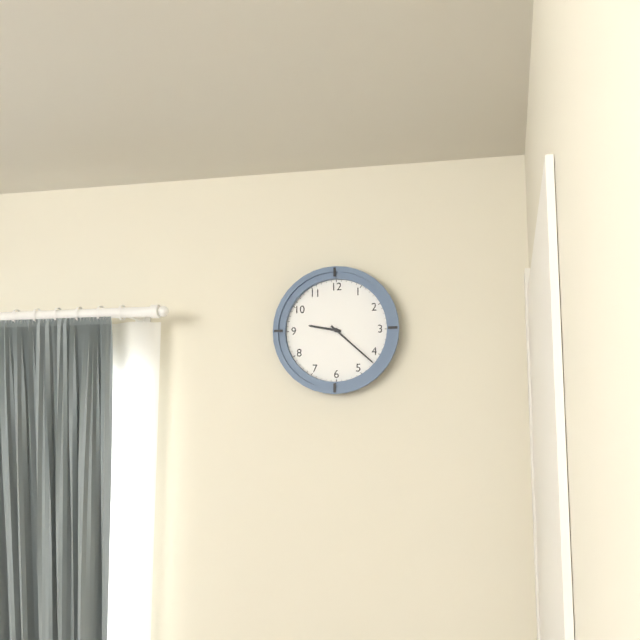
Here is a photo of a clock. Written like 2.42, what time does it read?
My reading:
9.22
